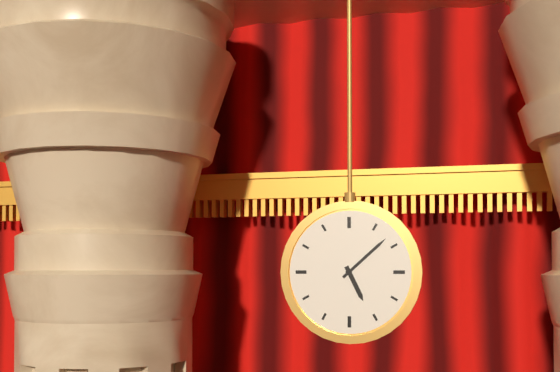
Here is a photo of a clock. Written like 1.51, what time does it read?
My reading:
5.08
